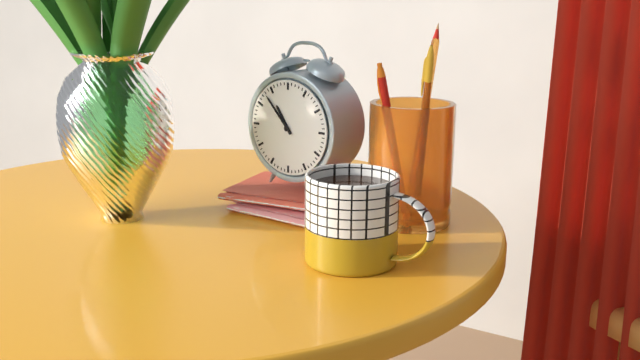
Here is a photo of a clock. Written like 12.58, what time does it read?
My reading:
10.53
